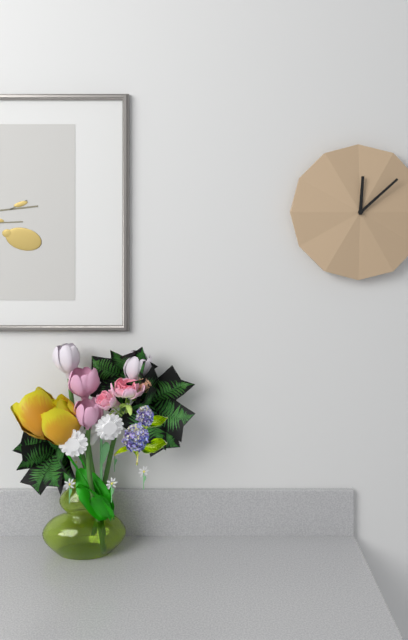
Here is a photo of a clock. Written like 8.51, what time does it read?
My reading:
12.08
